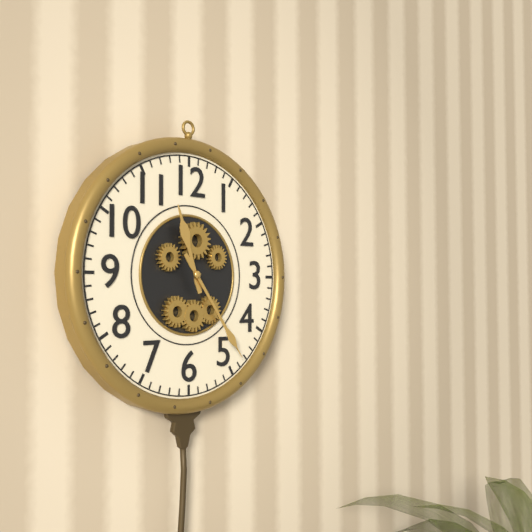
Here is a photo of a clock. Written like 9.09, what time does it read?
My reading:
11.24
